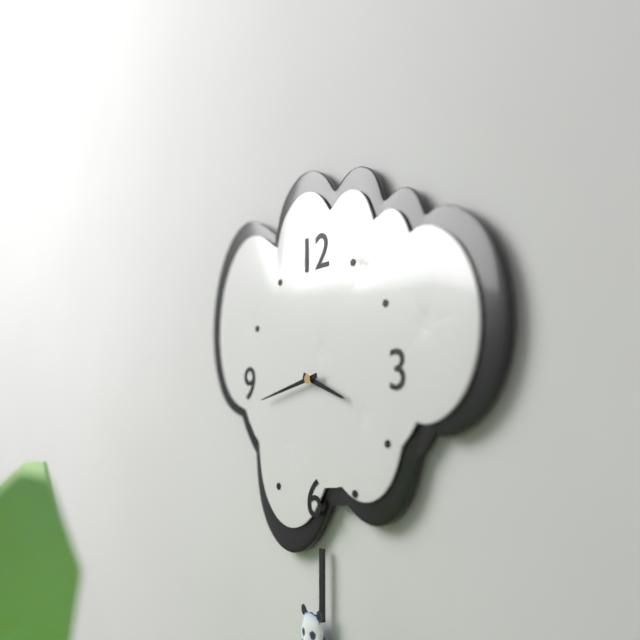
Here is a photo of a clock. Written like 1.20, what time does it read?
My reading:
3.43
